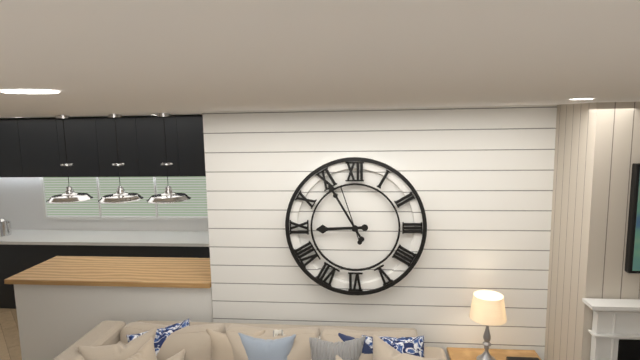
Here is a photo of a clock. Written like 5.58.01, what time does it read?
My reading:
8.55.57
